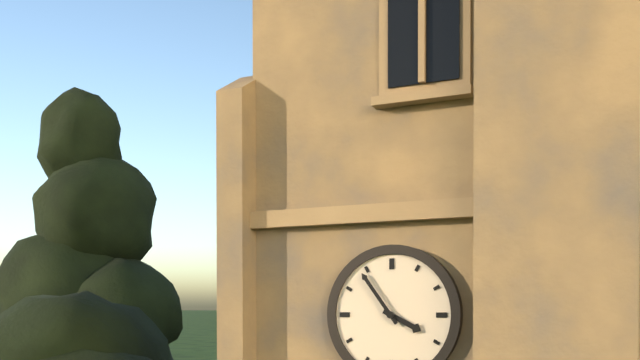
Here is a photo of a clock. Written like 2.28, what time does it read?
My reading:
3.54
